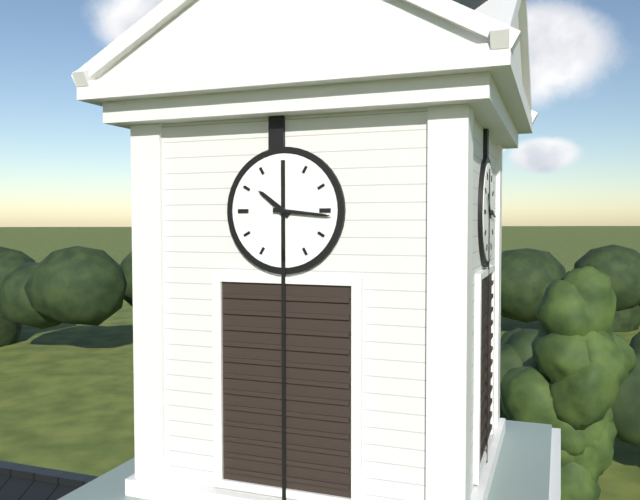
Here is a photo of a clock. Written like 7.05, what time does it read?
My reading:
10.16
